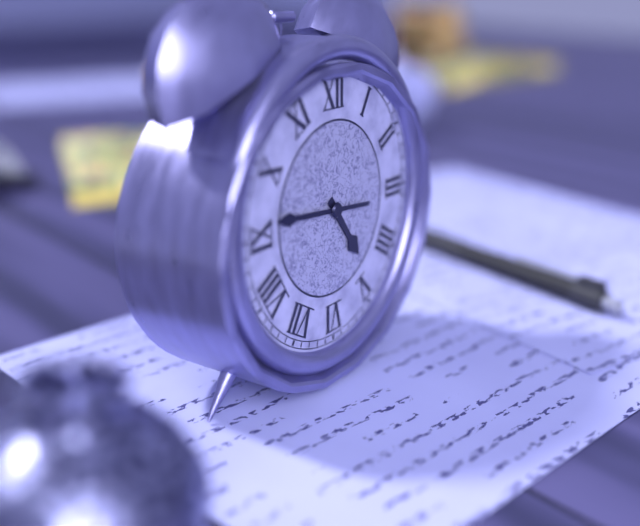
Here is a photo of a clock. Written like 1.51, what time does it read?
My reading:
4.46
